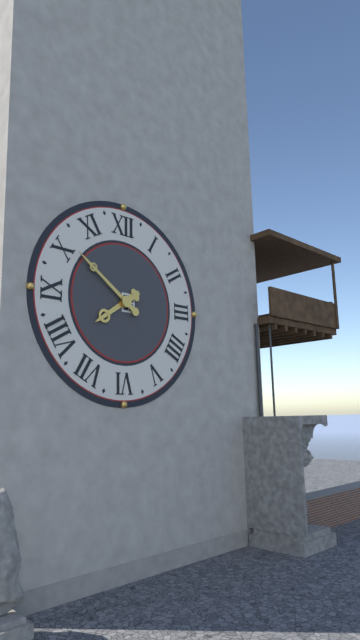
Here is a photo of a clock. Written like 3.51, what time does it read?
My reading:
7.51
